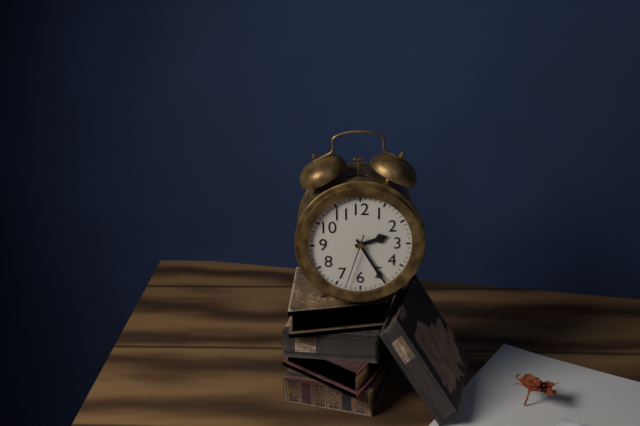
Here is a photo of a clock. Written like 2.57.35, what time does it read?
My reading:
2.25.33
